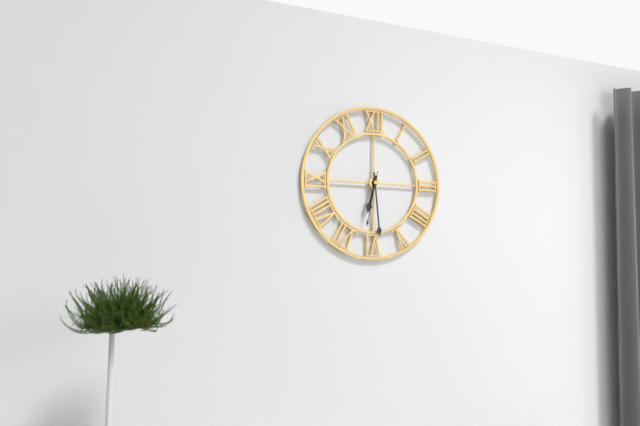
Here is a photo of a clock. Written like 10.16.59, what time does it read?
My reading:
6.29.32
